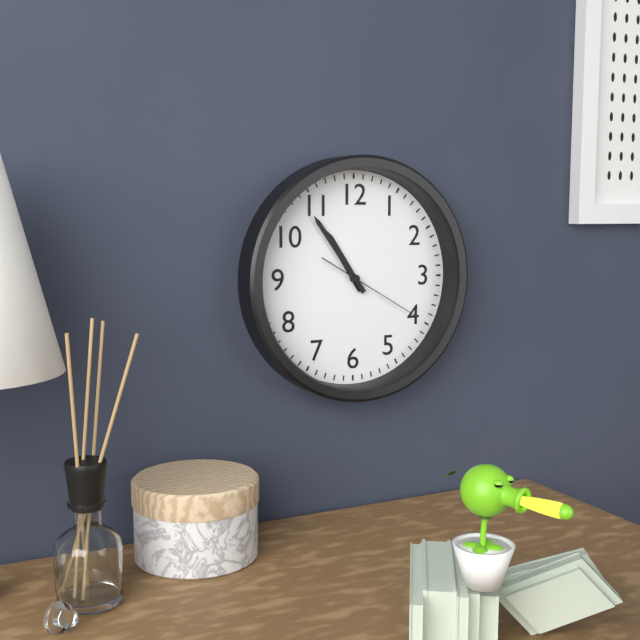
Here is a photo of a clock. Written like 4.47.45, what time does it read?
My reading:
10.54.20
